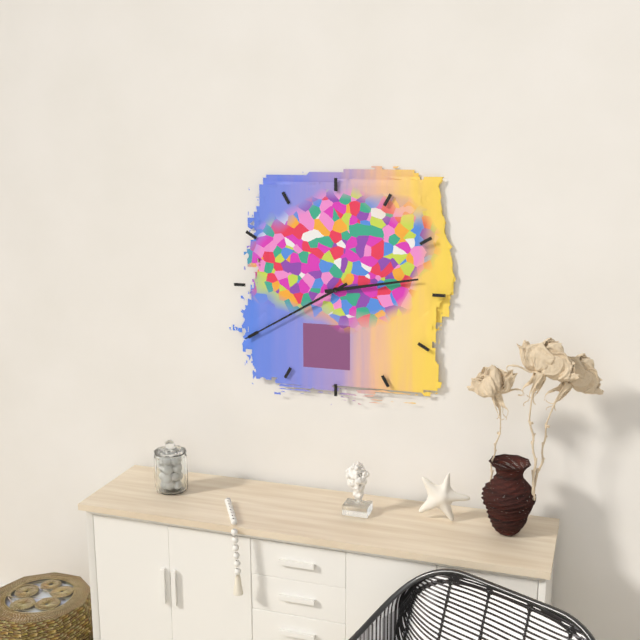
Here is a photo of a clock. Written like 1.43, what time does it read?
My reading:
2.40
